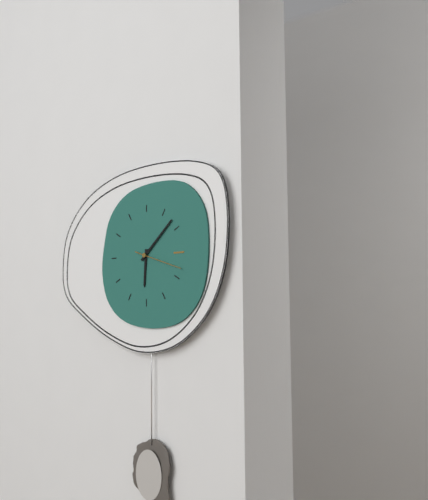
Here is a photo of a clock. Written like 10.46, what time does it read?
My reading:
6.08
